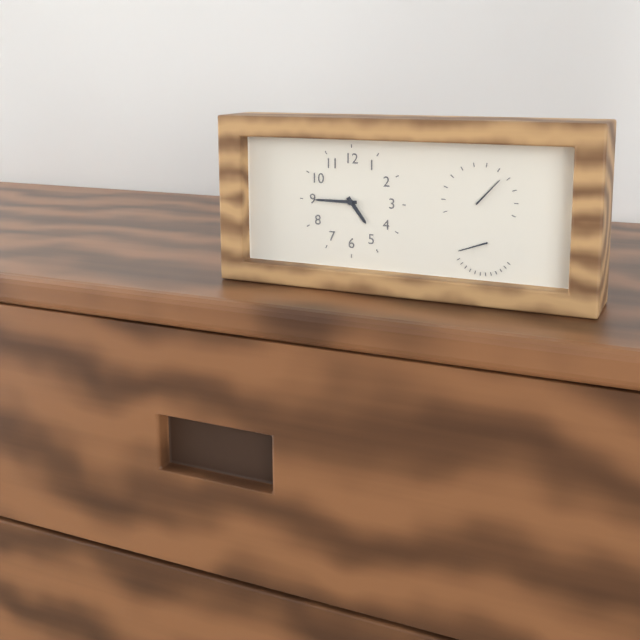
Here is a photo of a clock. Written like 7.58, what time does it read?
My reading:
4.45
